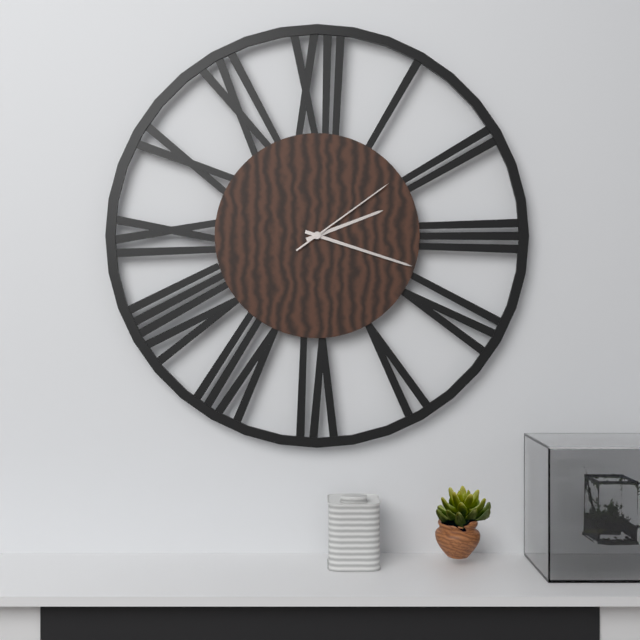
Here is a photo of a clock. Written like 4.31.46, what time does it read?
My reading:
2.18.09
